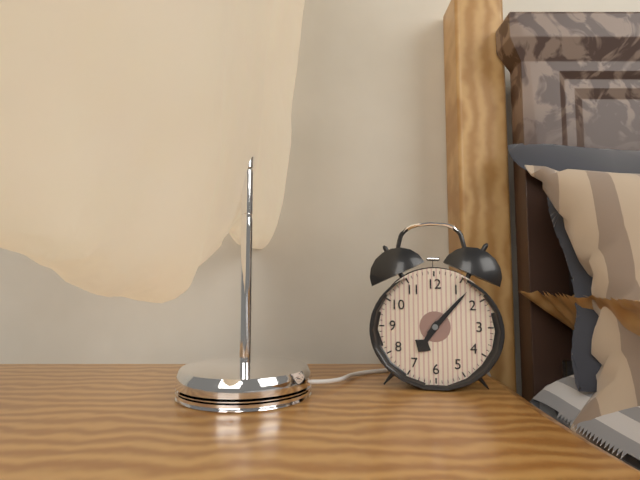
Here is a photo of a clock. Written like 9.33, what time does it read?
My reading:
7.07
